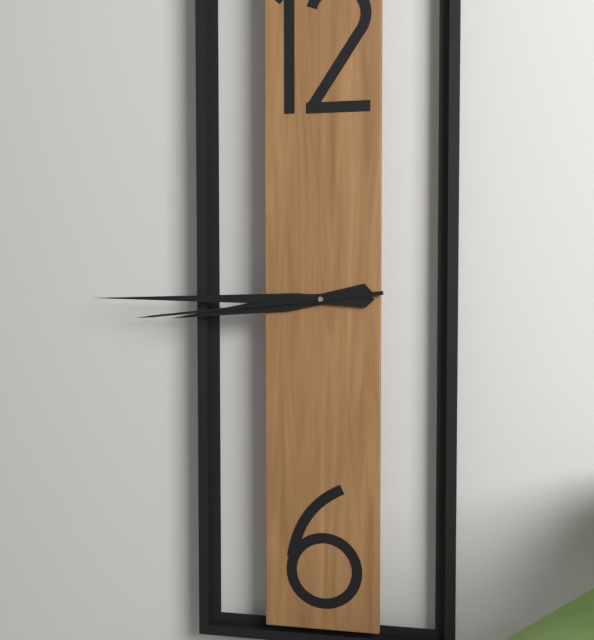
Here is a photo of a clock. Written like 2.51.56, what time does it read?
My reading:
8.45.44
